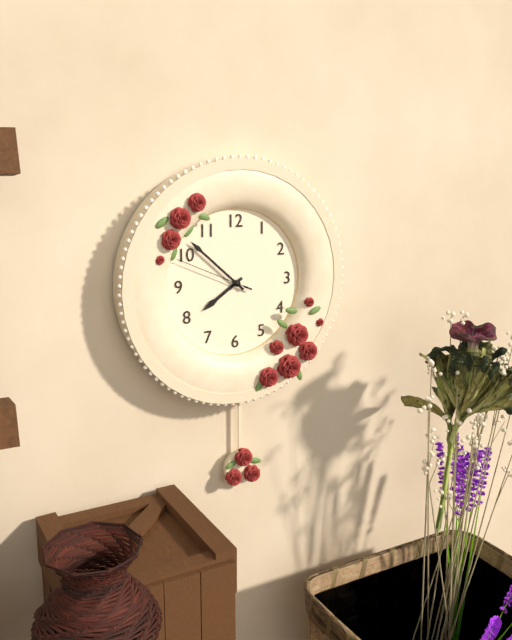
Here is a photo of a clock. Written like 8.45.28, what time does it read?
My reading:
7.52.49
